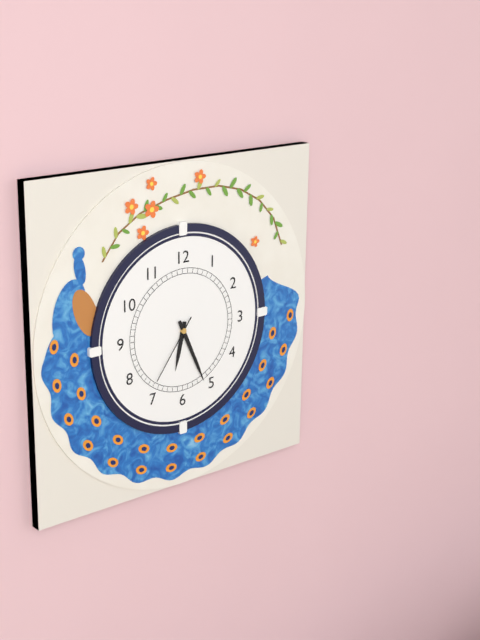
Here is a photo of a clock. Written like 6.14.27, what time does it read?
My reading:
6.26.36
